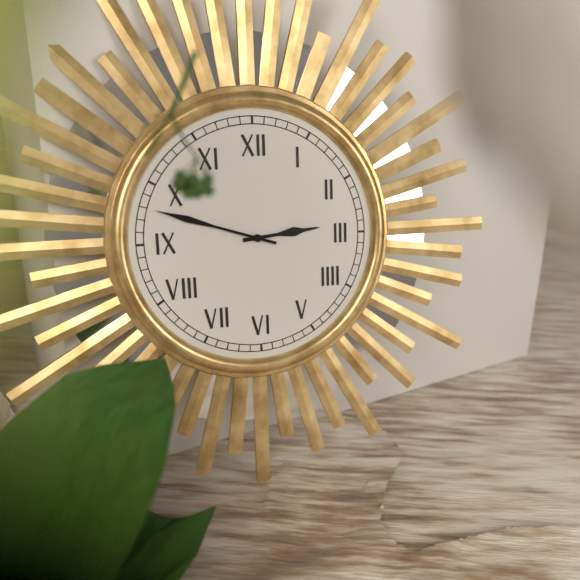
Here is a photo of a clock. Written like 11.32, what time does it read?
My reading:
2.48
